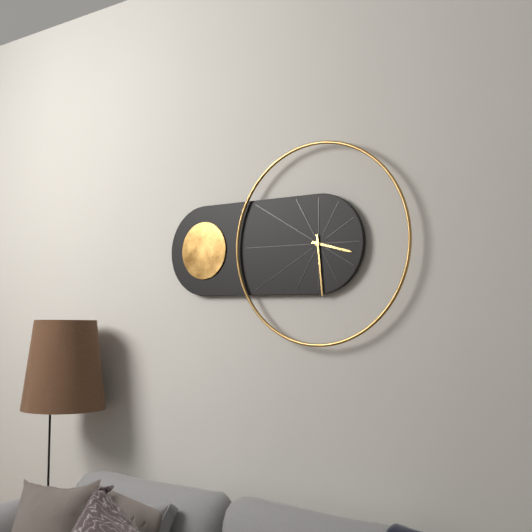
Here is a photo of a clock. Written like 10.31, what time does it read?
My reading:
3.29
